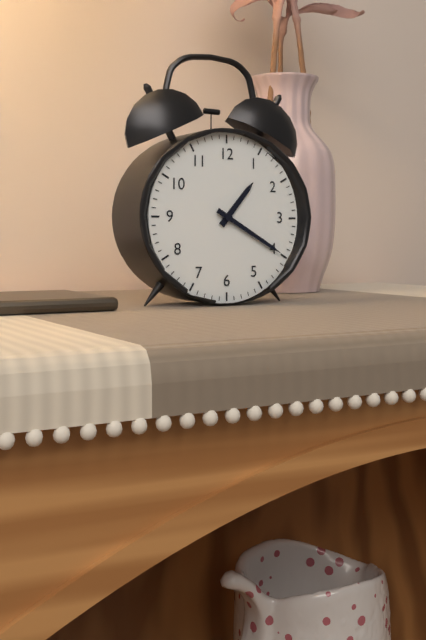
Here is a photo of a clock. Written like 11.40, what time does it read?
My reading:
1.20
